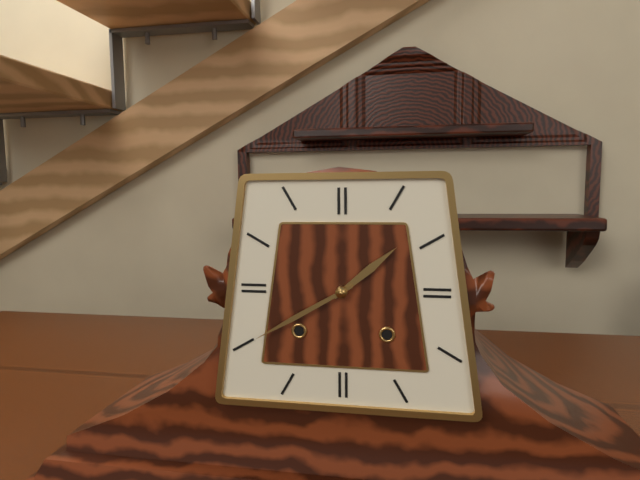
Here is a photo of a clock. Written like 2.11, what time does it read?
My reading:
1.40
